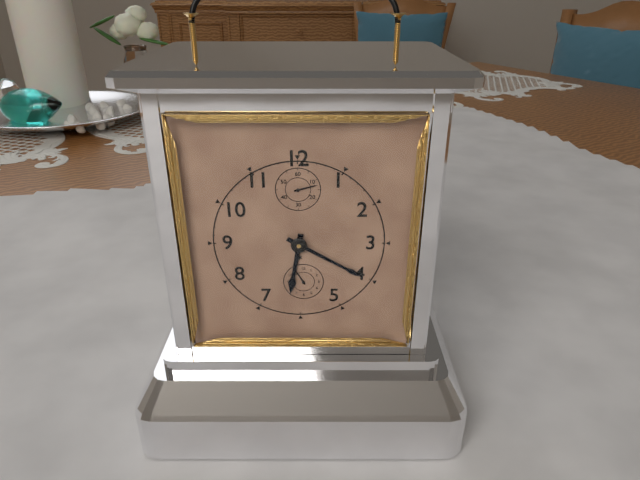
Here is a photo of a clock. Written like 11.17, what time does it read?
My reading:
6.20
